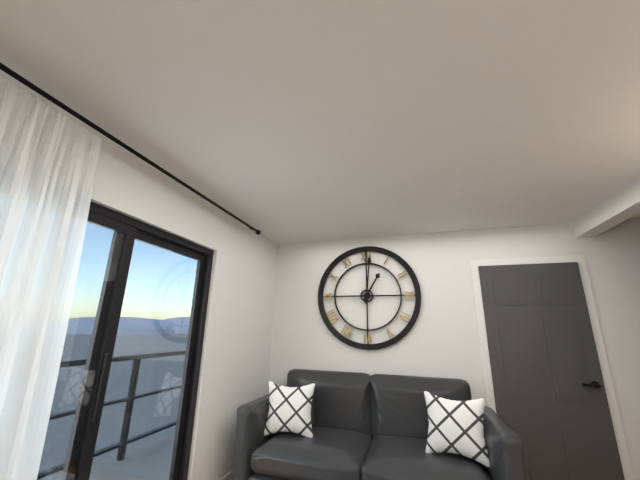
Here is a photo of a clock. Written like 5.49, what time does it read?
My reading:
1.01
